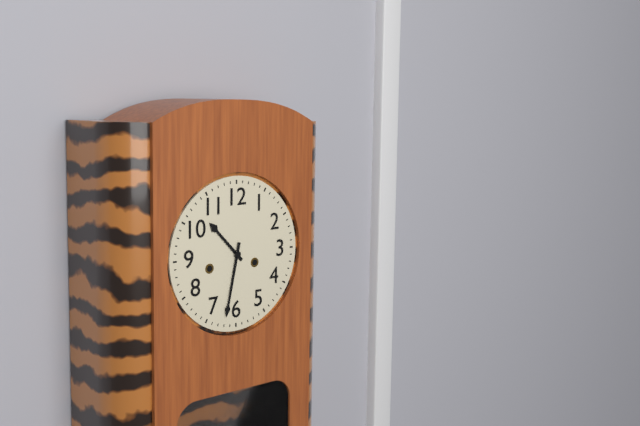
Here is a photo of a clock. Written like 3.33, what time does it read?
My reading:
10.32
